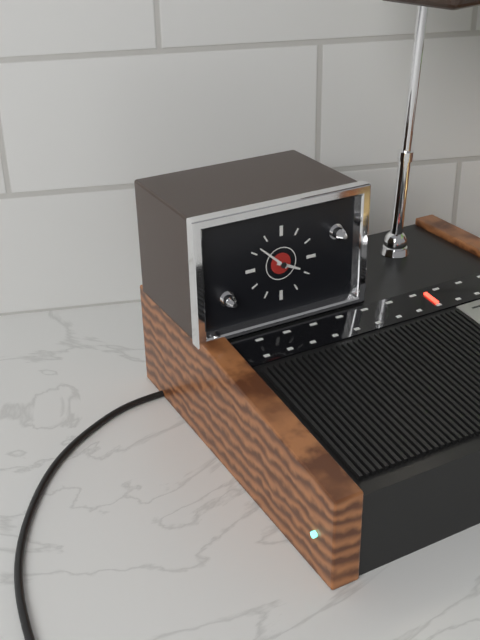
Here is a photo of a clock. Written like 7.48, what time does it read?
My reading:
3.52
